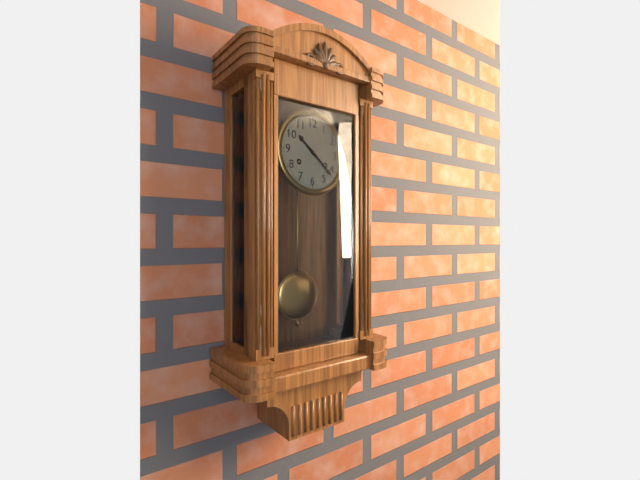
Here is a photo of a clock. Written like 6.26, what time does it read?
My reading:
10.22
